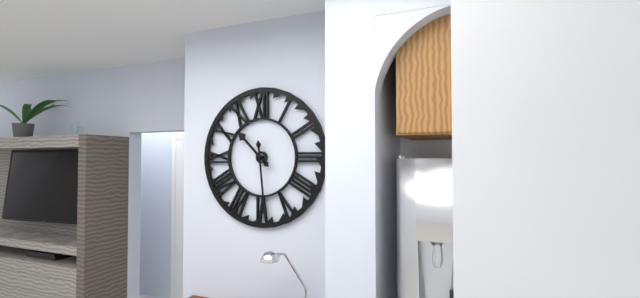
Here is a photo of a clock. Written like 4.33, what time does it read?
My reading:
10.29
